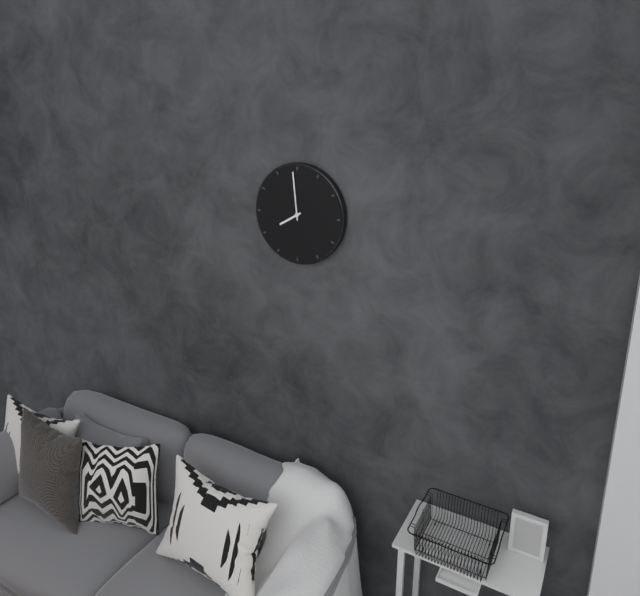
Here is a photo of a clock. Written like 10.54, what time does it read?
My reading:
7.59
